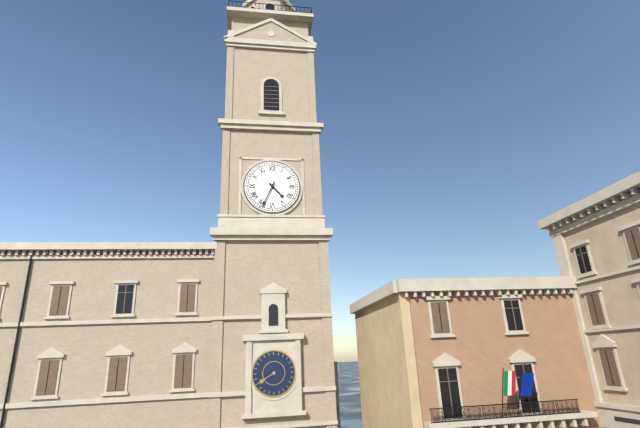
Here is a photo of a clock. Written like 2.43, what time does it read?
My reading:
4.34
